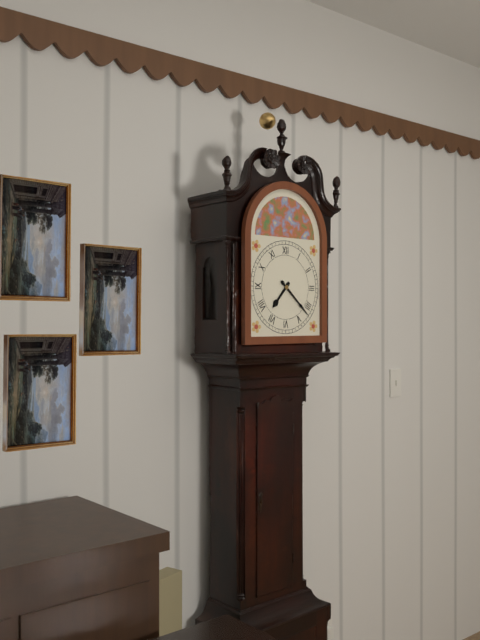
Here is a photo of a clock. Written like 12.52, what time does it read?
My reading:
7.22
